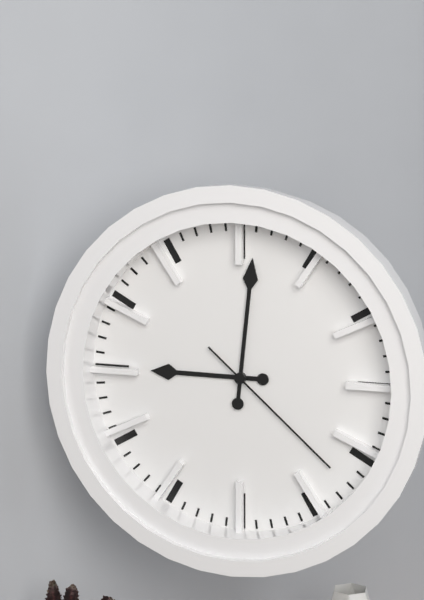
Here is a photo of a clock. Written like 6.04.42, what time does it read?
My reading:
9.01.22
